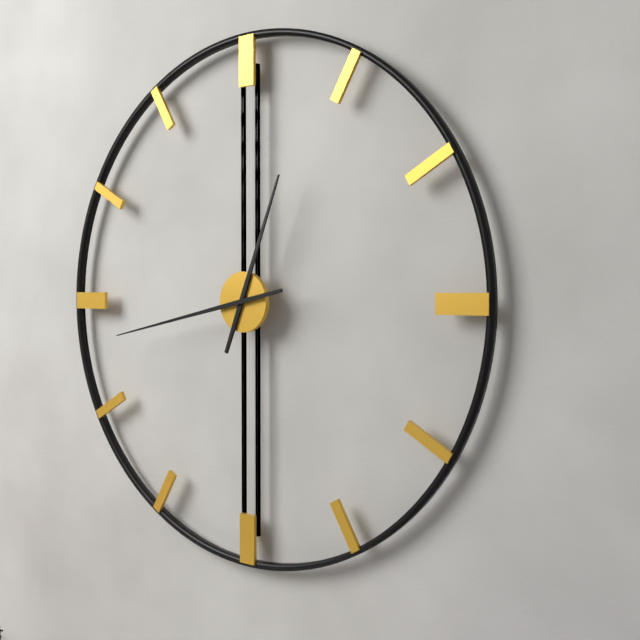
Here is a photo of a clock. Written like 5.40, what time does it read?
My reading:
12.43
